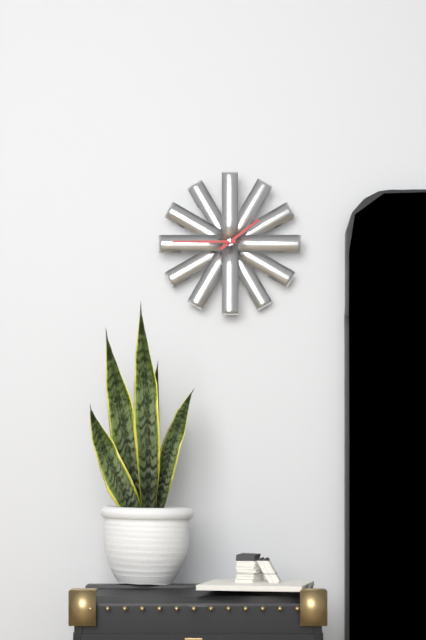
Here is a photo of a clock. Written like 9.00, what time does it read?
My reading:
1.45
